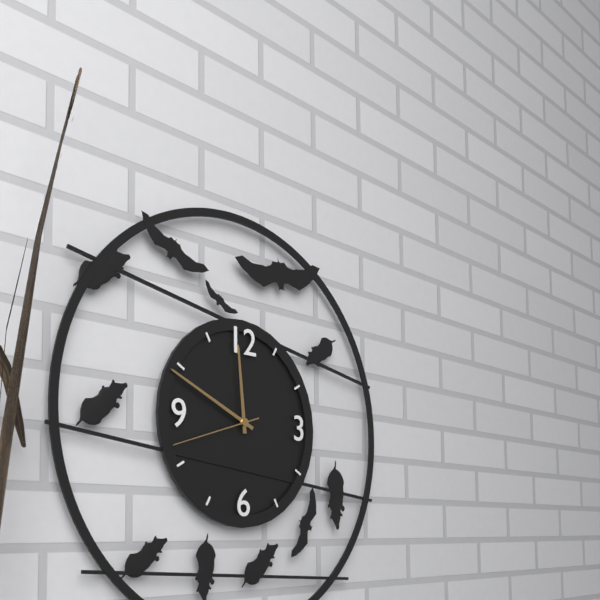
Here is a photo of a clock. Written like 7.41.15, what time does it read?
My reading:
11.49.42
